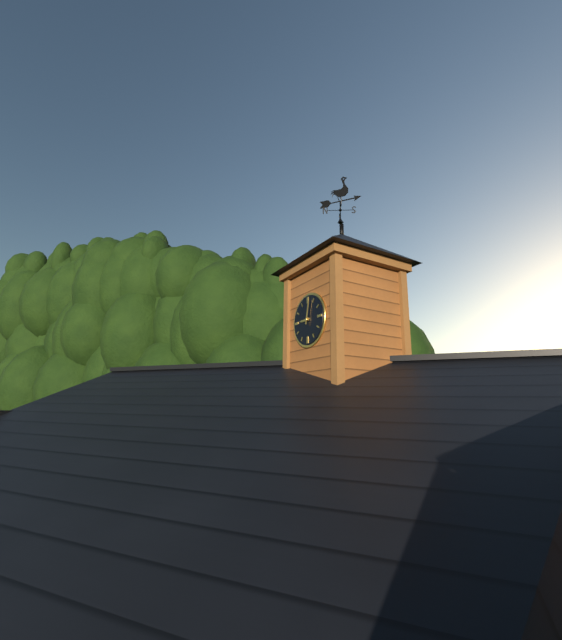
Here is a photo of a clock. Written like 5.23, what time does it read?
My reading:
9.02
